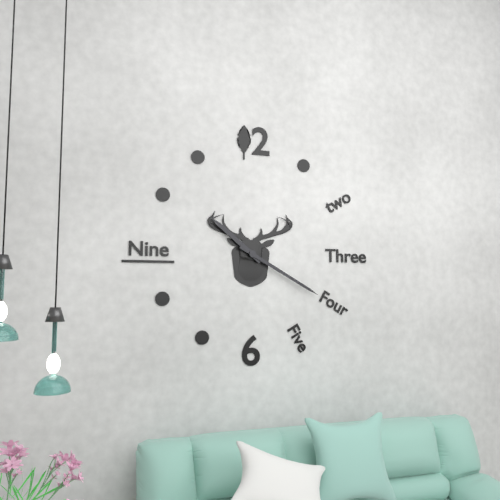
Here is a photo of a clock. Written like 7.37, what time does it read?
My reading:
10.20
